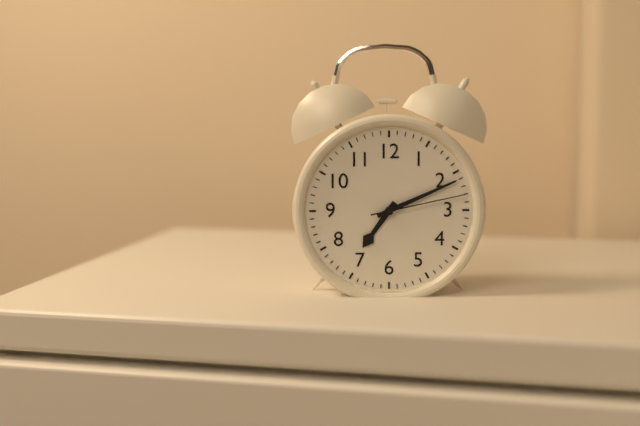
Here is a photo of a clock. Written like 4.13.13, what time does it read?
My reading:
7.11.13
